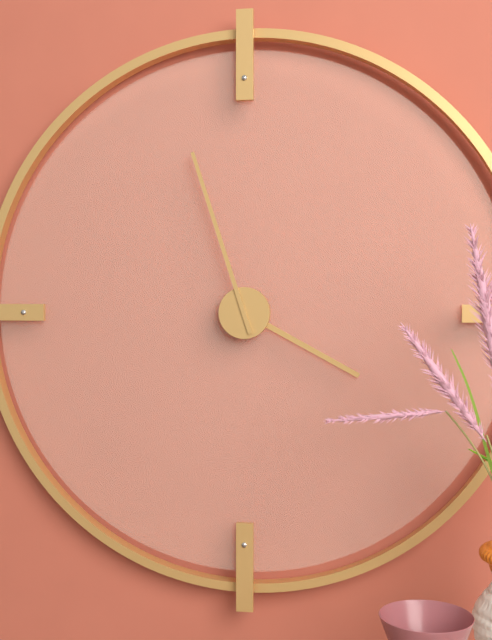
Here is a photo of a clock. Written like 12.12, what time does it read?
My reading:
3.57
